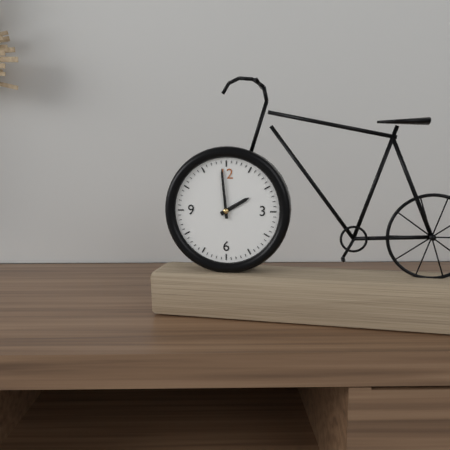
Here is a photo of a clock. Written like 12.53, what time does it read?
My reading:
1.59
